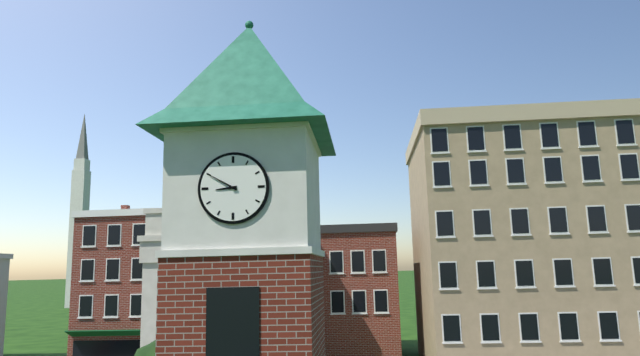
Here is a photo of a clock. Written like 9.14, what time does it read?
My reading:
8.50
